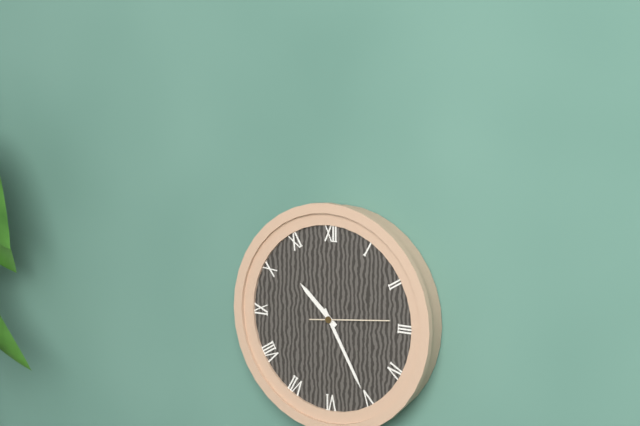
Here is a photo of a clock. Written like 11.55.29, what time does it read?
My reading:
10.25.14
